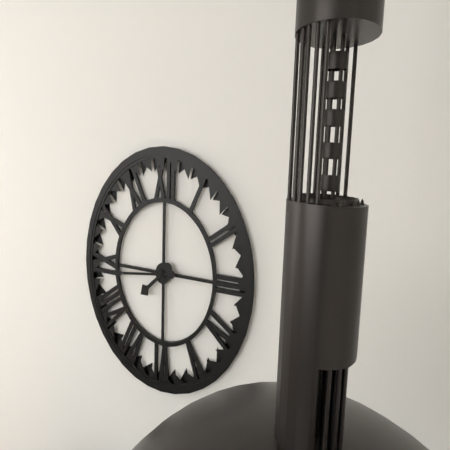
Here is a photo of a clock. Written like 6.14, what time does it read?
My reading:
7.44
